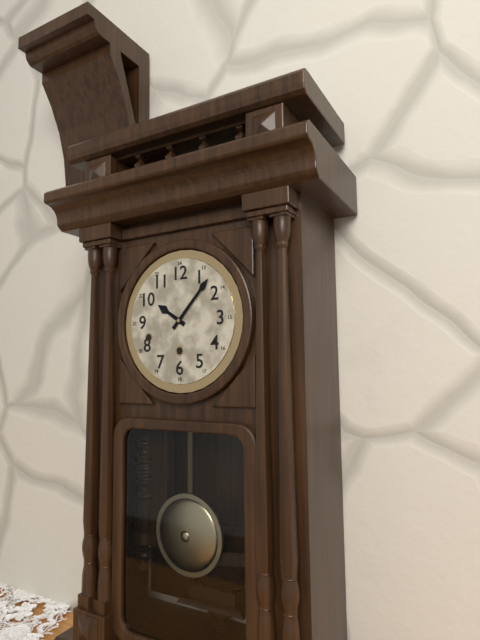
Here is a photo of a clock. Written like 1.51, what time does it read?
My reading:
10.07
